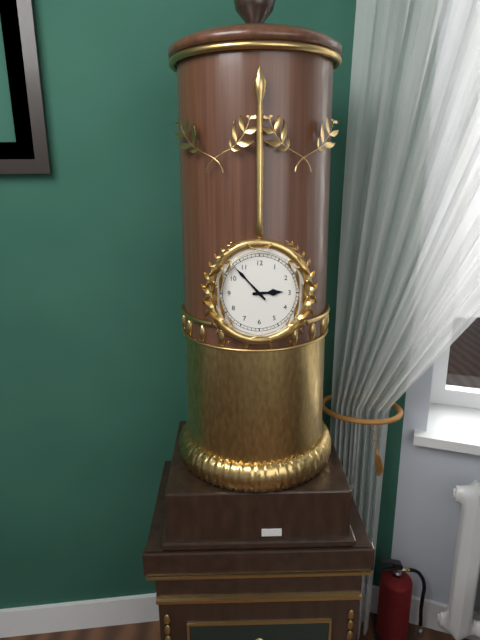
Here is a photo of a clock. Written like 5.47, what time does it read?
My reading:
2.53
